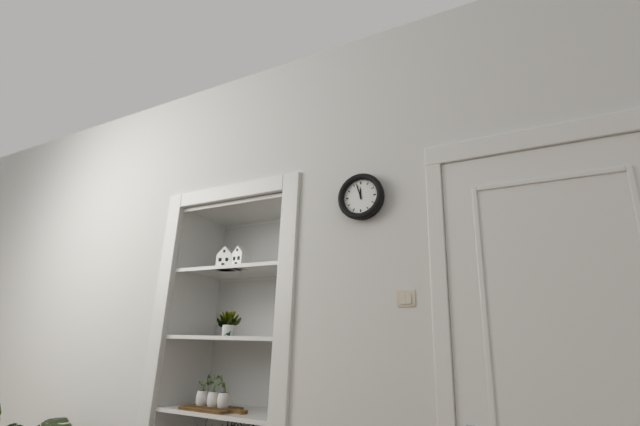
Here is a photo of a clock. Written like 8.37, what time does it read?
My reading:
11.57
